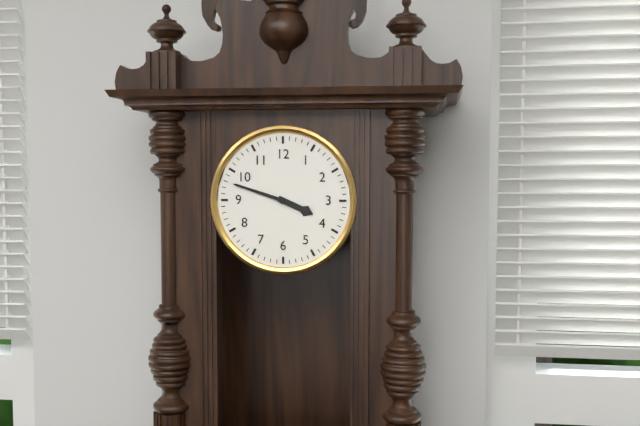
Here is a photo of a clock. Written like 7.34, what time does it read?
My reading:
3.48
